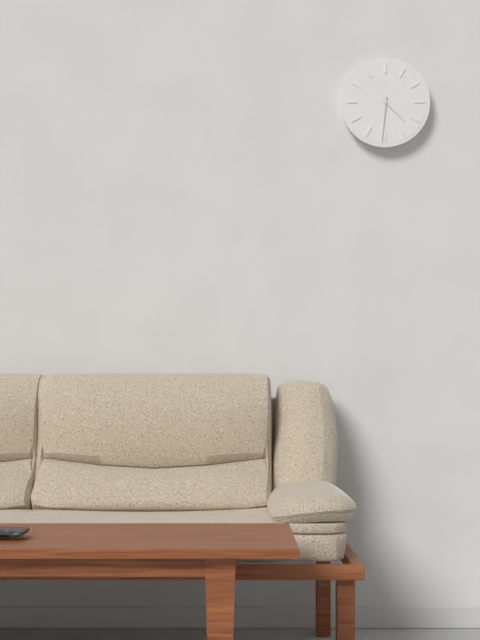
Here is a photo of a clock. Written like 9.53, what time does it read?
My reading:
4.31
